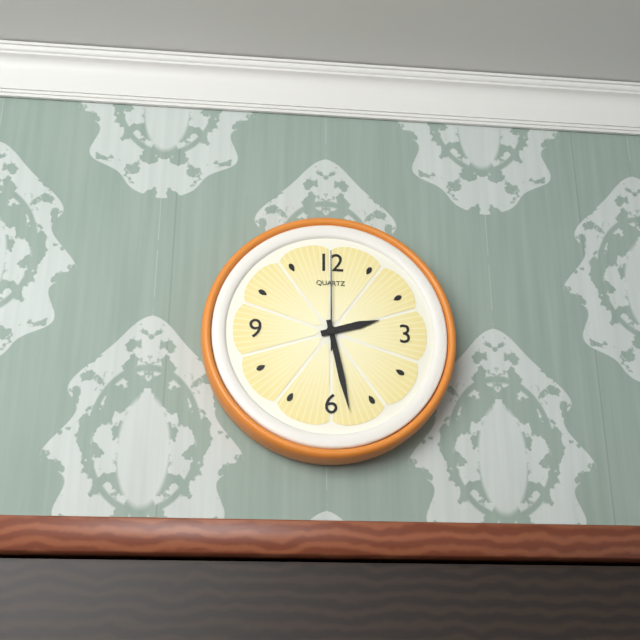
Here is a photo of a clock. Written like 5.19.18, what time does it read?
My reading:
2.28.00
